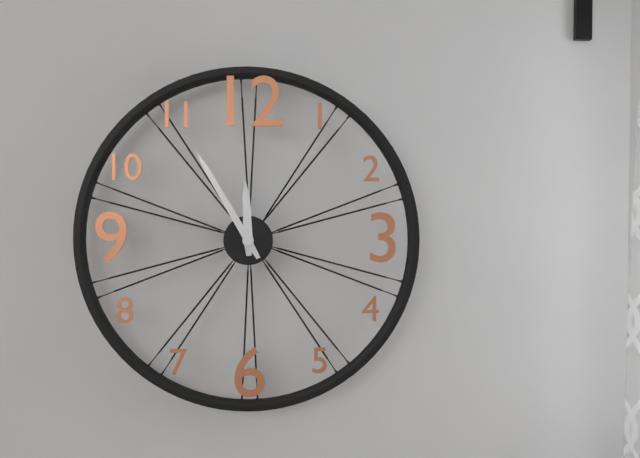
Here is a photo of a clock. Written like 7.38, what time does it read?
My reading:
11.55
